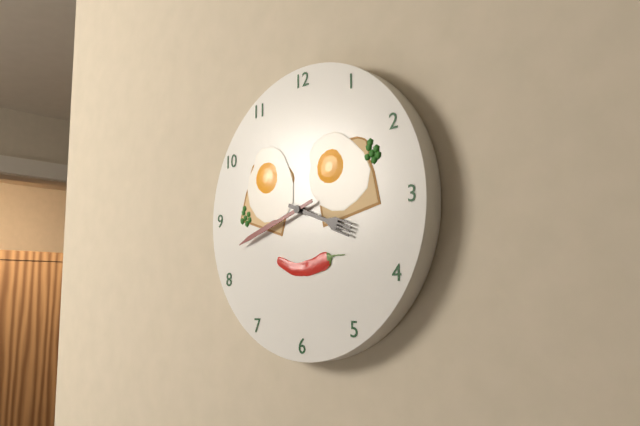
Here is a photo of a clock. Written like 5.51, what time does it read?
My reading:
3.42
